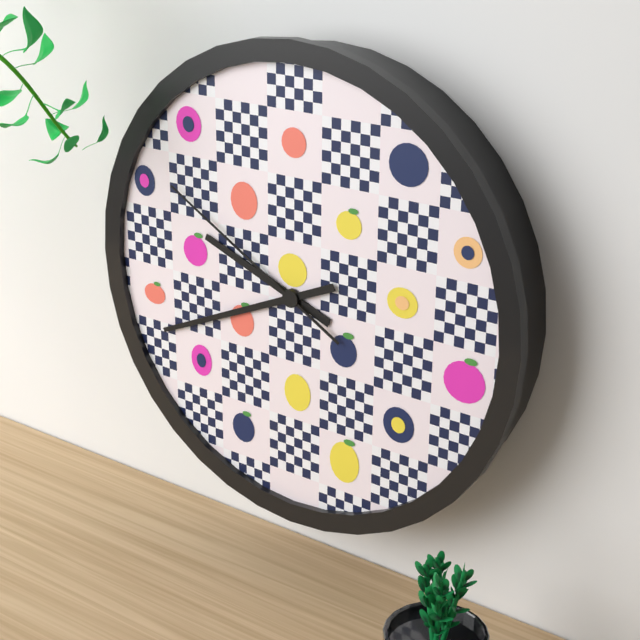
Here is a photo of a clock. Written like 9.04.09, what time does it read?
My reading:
9.41.50
